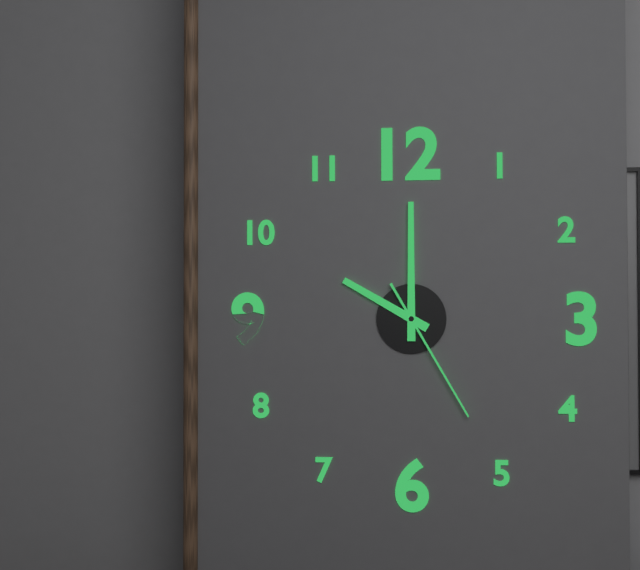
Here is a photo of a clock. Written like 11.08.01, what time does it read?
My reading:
10.00.25
